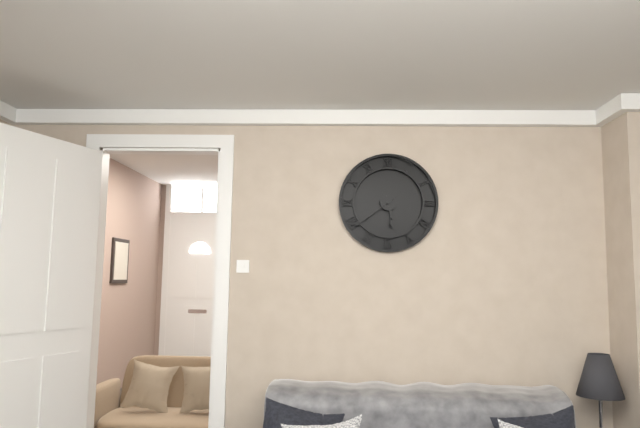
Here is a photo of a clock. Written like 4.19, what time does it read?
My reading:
5.39
